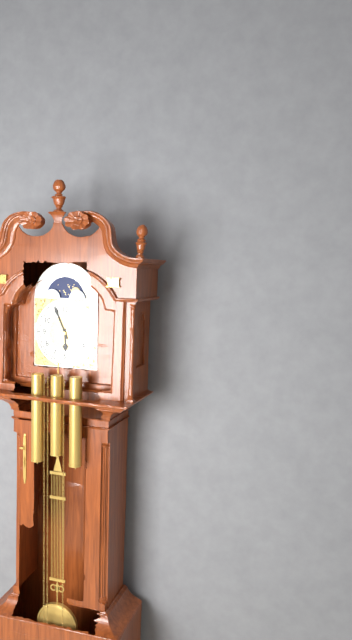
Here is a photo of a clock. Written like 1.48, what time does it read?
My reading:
5.56
